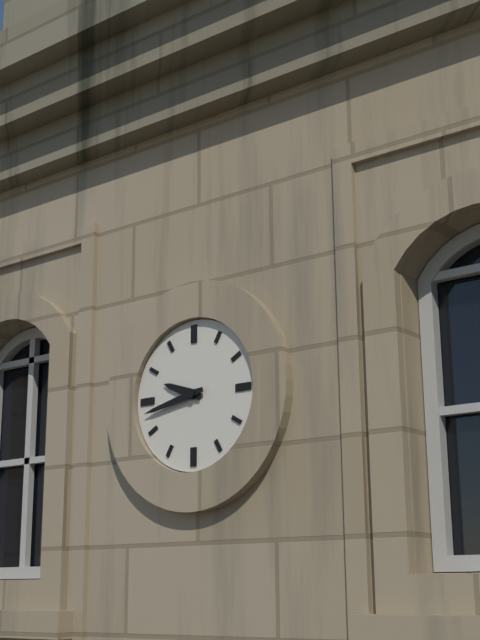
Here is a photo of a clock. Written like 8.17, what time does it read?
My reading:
9.43
